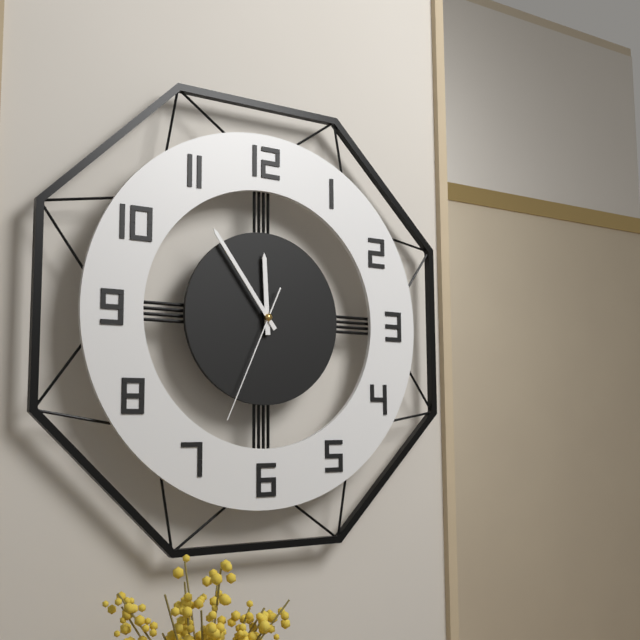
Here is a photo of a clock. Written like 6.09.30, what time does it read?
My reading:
11.54.34
